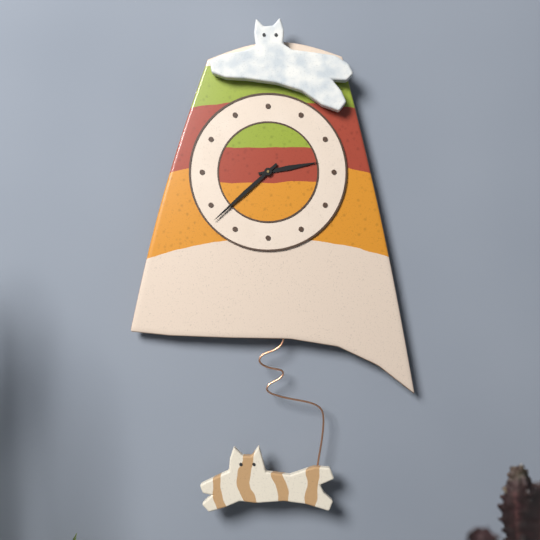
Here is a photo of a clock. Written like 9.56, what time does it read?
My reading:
2.38
